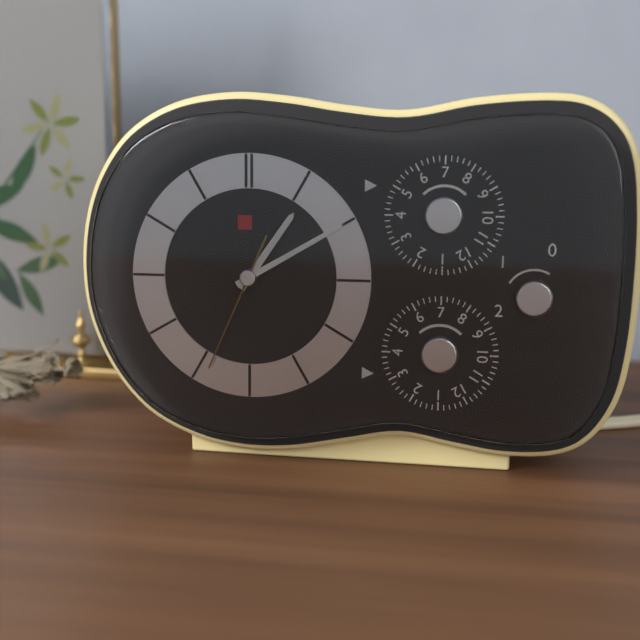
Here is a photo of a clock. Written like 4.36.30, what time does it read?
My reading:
1.10.34
